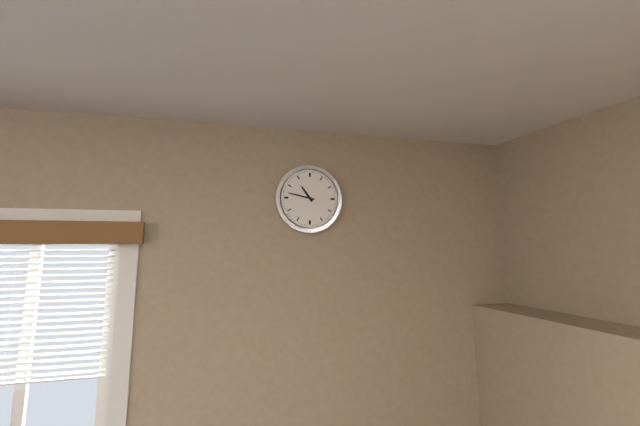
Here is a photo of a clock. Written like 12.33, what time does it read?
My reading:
10.47
